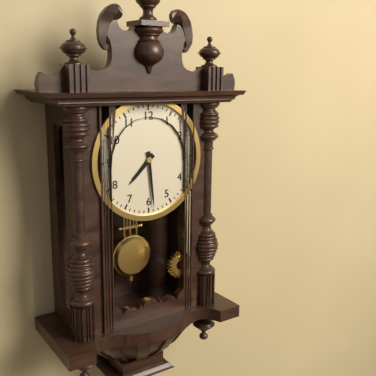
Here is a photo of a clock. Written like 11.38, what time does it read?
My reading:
7.29
